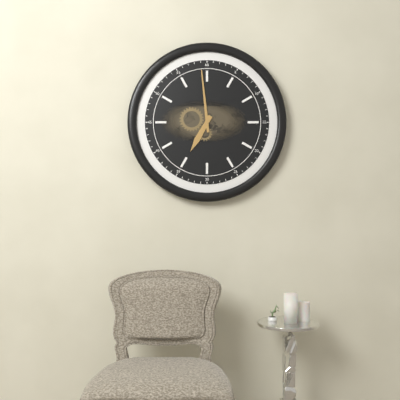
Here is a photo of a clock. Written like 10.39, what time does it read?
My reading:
6.59
